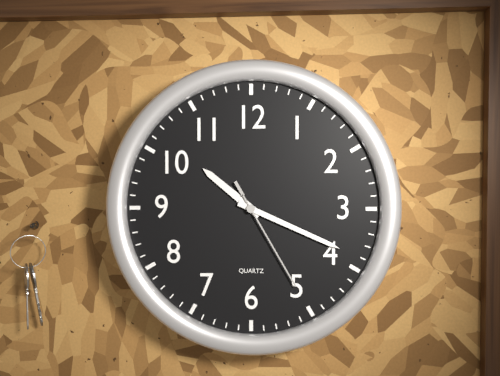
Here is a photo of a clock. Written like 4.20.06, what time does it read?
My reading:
10.19.25
